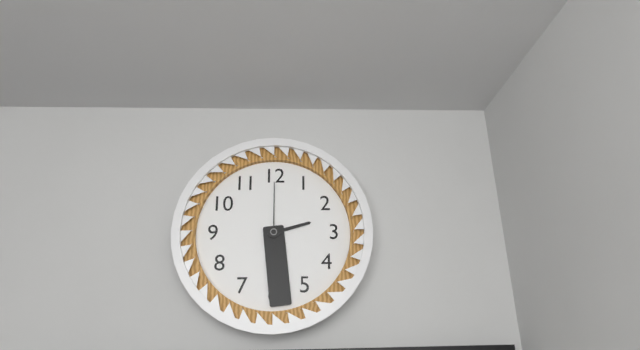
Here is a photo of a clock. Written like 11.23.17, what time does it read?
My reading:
2.29.00
